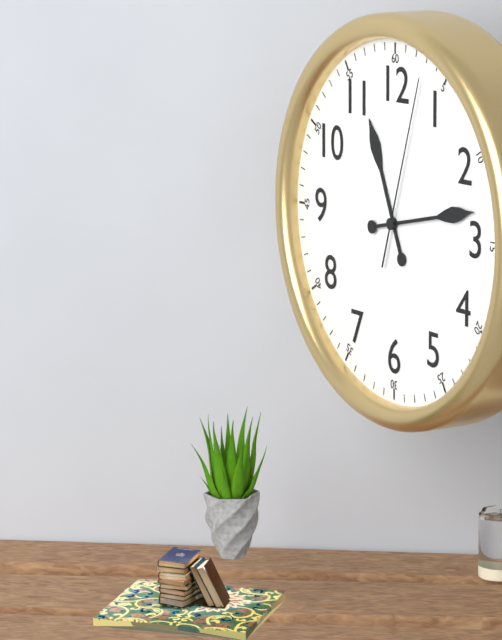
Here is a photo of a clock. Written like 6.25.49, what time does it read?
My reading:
11.13.03
